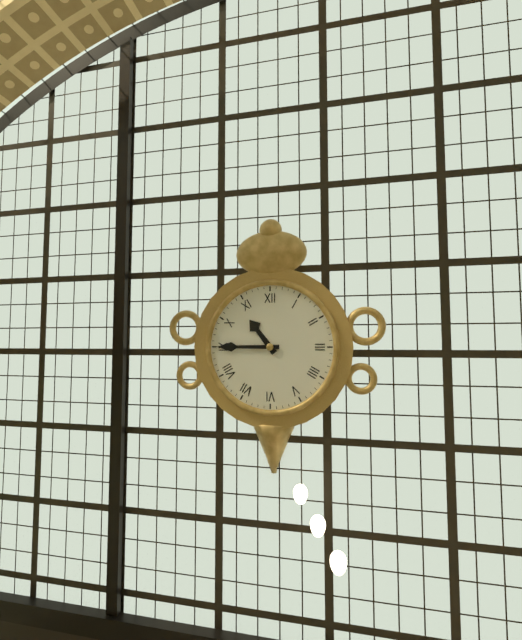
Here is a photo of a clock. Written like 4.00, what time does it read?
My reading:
10.45
